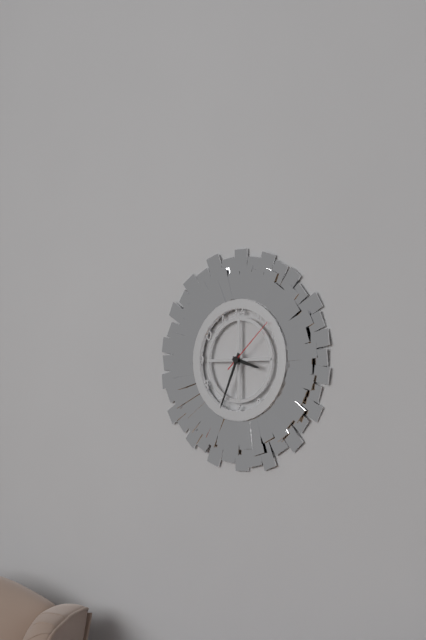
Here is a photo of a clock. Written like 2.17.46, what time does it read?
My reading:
3.34.08
